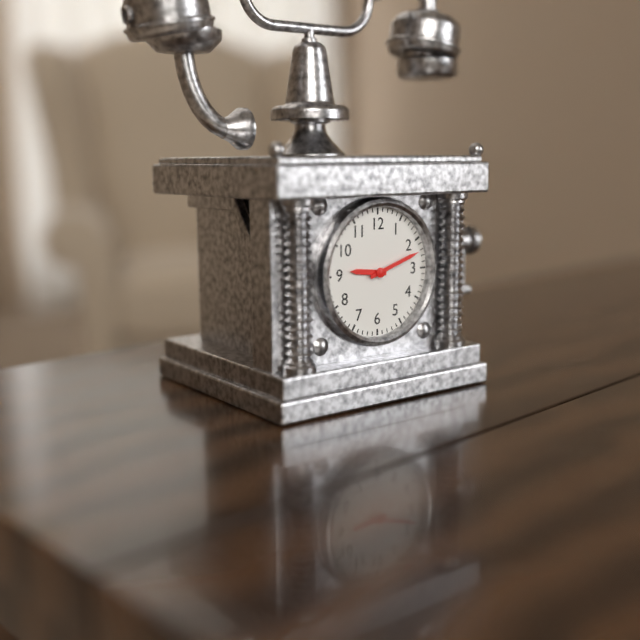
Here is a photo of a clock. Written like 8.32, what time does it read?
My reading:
9.12
